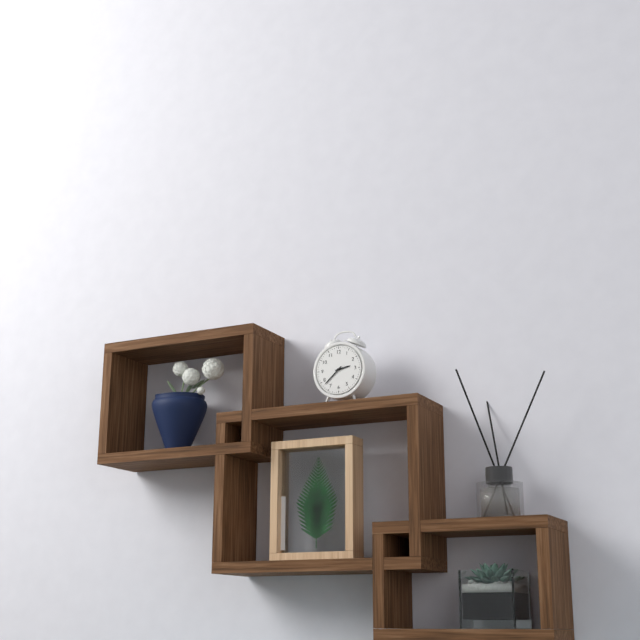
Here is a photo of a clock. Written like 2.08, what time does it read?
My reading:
2.38
